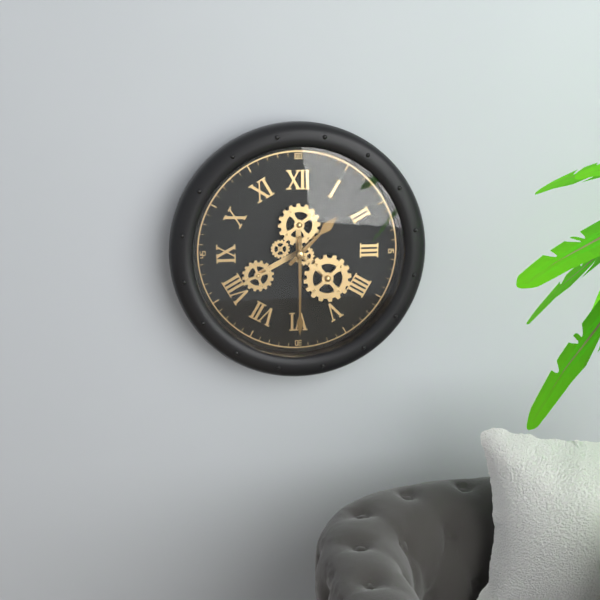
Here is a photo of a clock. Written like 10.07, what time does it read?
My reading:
1.30
